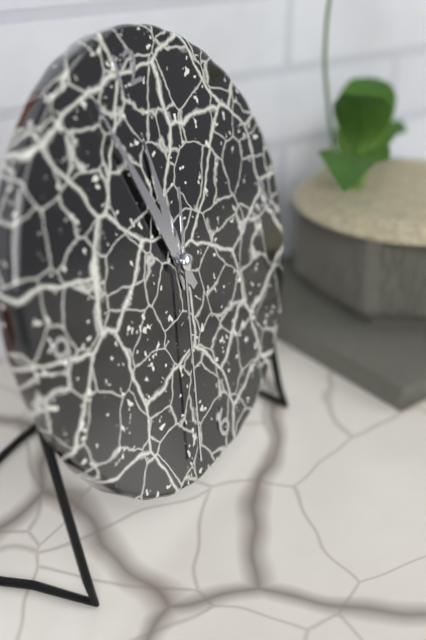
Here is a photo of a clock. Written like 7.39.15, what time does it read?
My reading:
11.57.33
